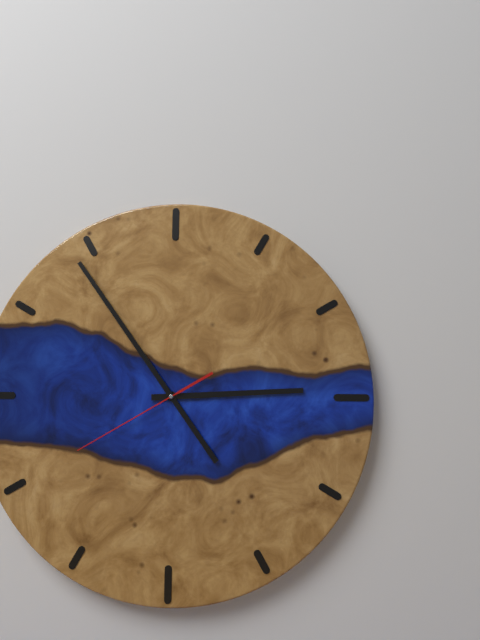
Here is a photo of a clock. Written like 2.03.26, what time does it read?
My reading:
2.54.40
